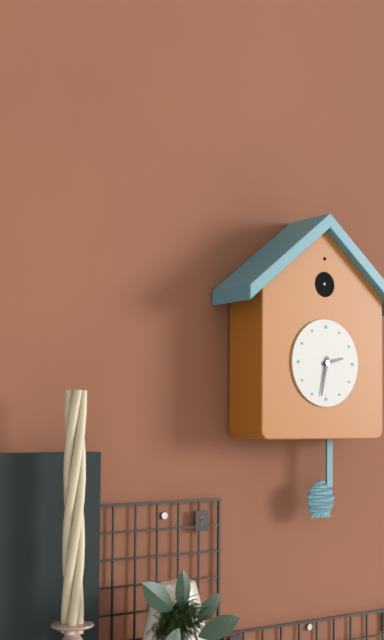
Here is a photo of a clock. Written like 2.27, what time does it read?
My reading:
2.32
